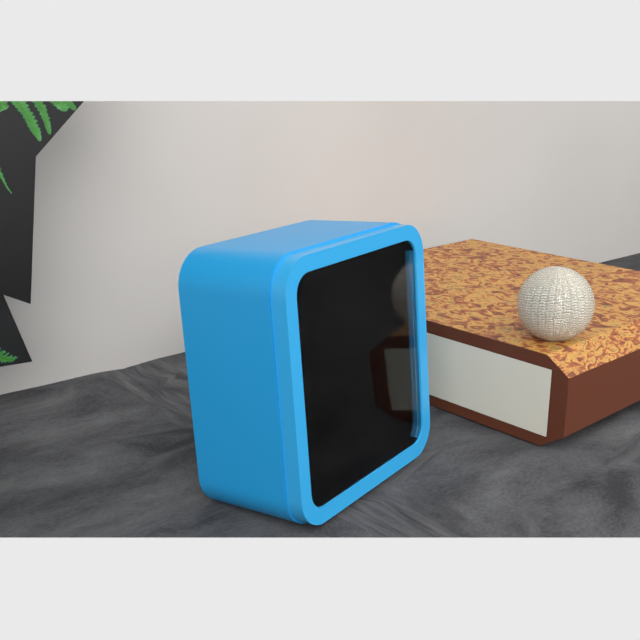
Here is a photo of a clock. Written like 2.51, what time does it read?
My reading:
8.52
